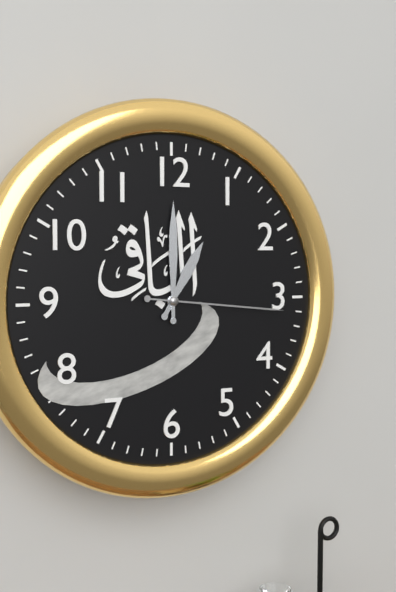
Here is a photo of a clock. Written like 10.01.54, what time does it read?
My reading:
1.00.16
